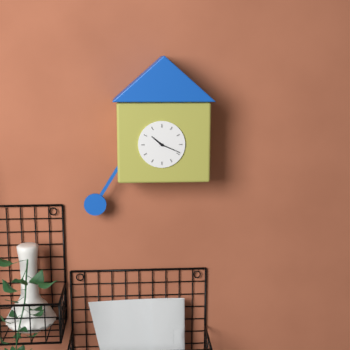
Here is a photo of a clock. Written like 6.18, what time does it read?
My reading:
10.19
